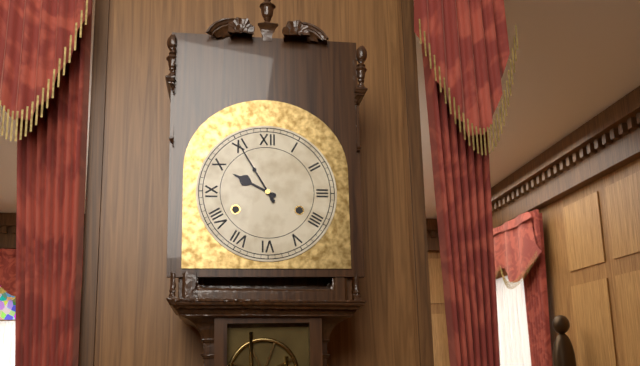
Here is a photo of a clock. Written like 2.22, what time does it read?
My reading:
9.55
